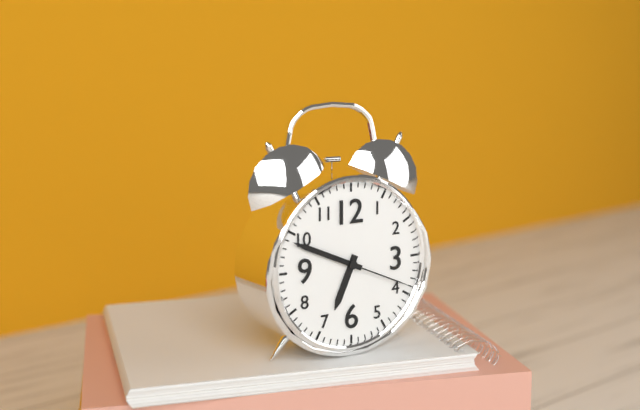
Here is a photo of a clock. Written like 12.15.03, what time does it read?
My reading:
6.49.19
